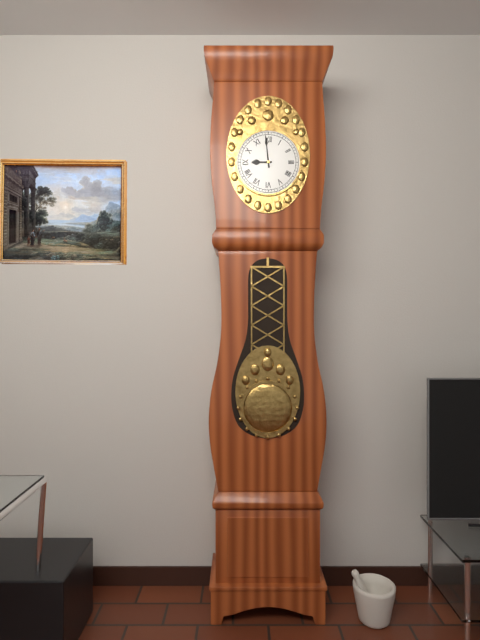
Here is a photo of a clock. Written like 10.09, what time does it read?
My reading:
8.59
